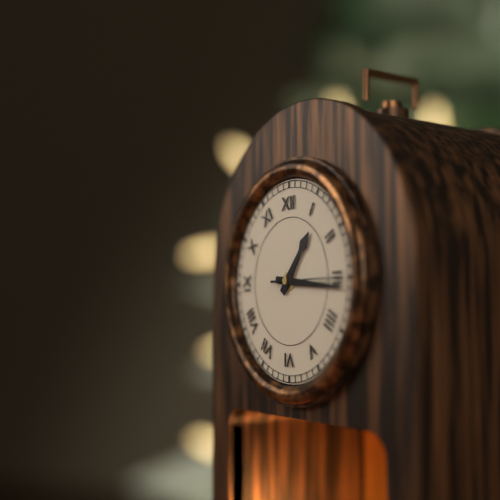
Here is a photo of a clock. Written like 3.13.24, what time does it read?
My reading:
1.16.15
